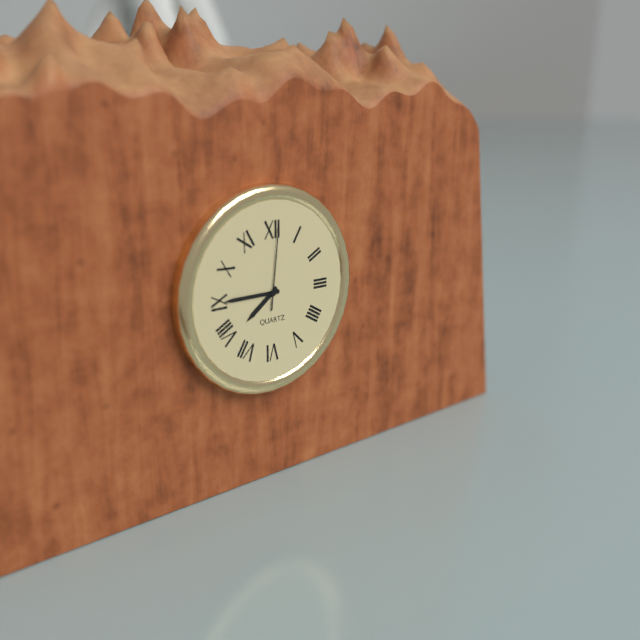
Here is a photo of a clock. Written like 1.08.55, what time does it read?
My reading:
7.45.01
